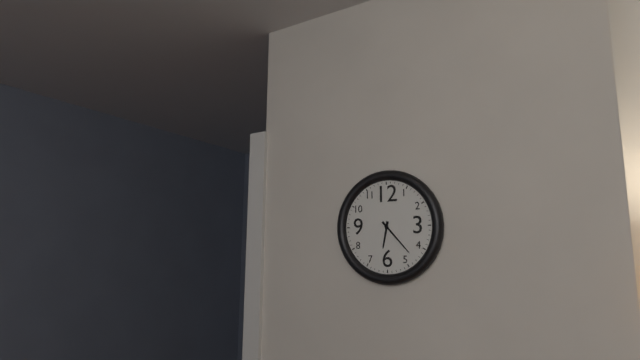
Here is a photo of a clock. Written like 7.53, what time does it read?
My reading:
6.23
